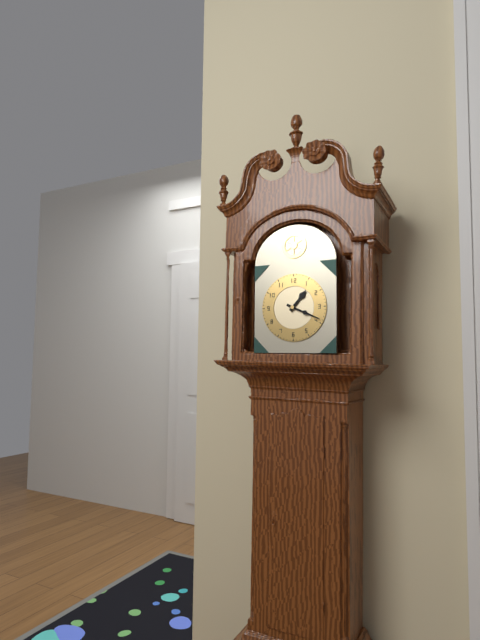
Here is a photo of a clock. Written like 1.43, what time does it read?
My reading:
1.19
